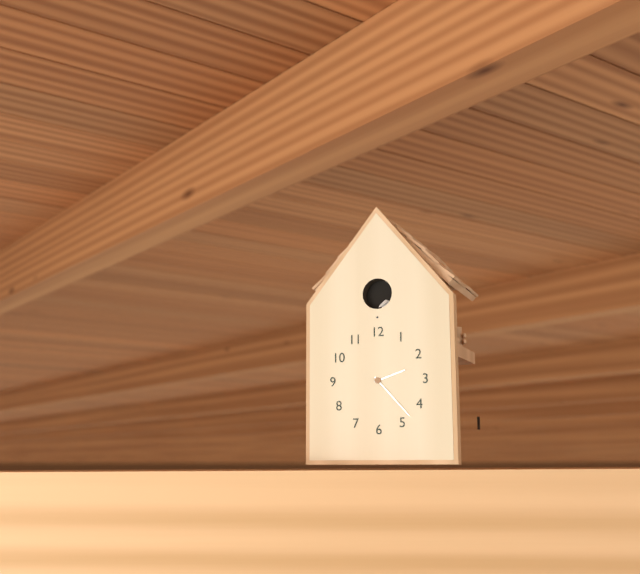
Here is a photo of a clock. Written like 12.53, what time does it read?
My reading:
2.23
